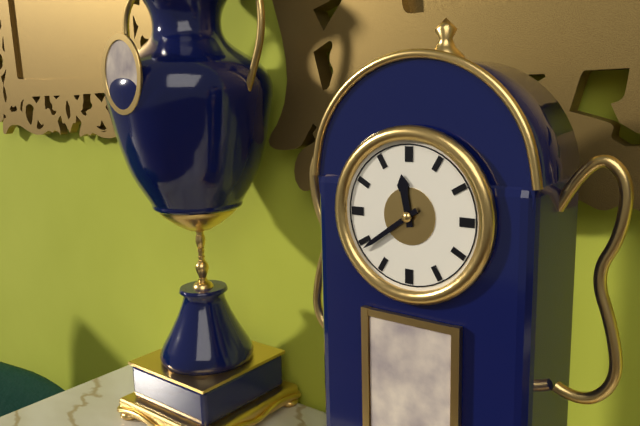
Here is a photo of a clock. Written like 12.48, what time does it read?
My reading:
11.39
